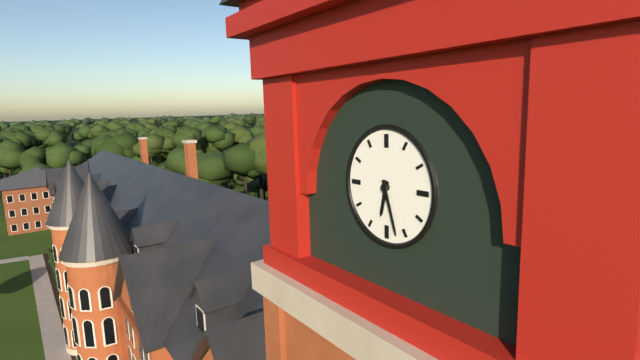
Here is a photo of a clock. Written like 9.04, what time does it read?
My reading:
6.27
